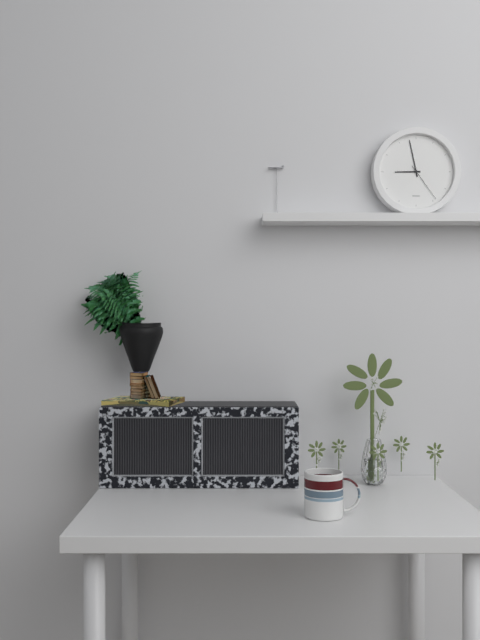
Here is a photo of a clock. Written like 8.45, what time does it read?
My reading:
8.58
